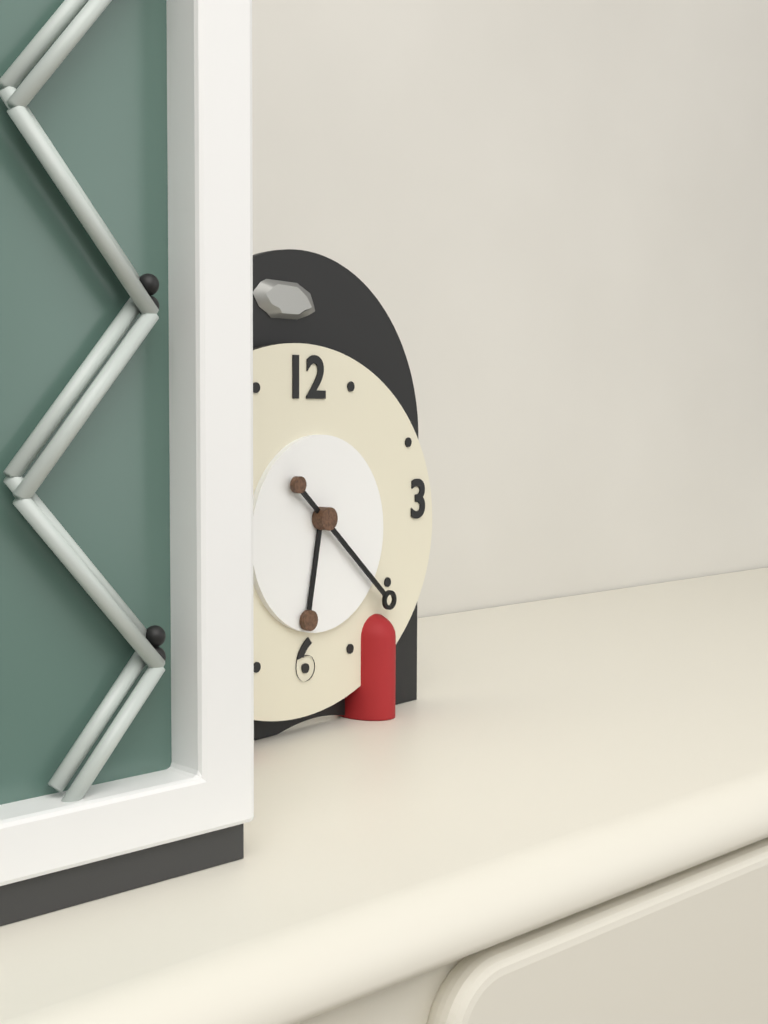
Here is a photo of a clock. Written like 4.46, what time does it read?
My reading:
6.22
